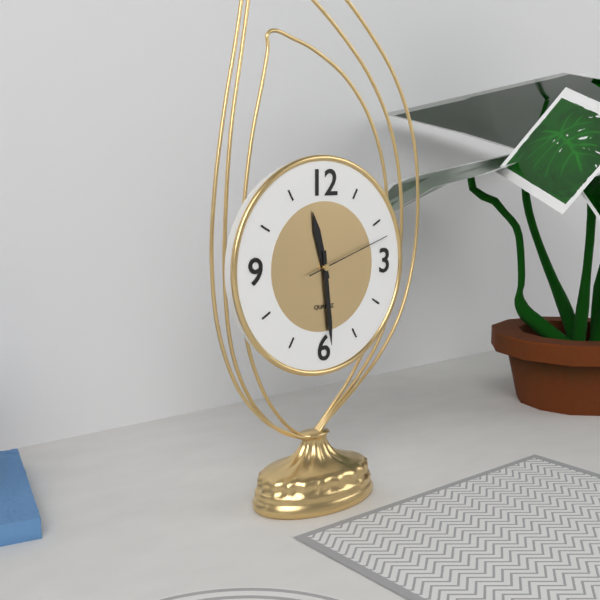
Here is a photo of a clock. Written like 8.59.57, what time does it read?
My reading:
11.29.12
